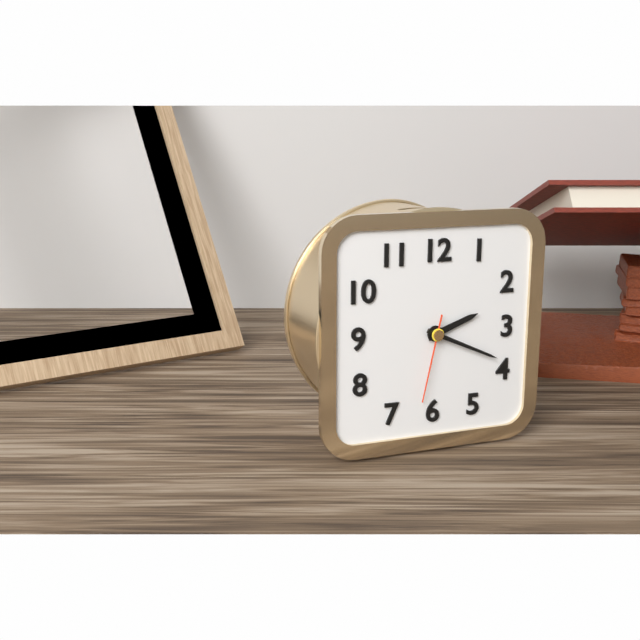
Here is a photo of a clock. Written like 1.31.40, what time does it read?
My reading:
2.19.32
